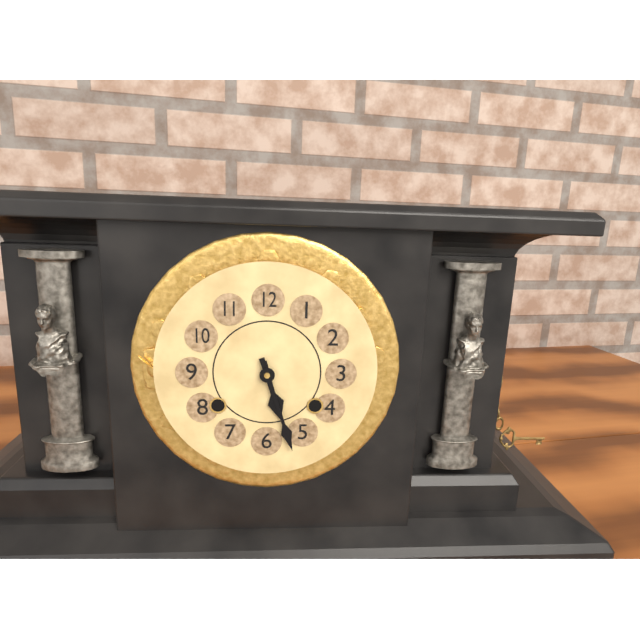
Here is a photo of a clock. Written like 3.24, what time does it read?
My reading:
5.27
